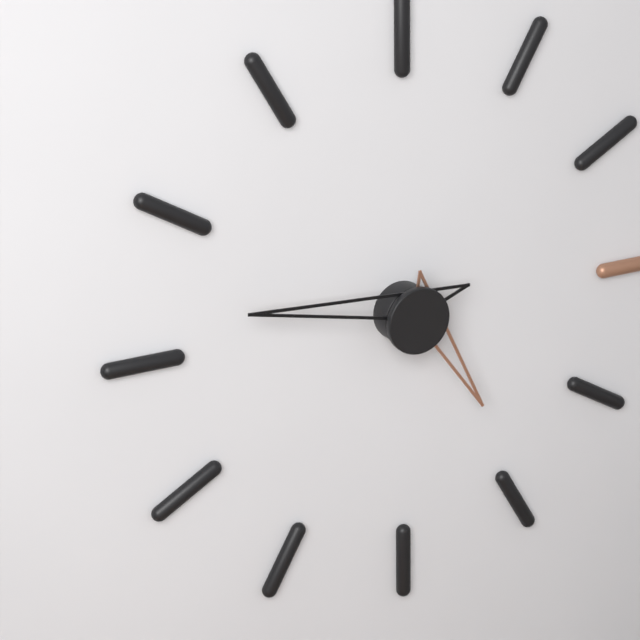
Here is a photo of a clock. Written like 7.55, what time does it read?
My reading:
4.47
